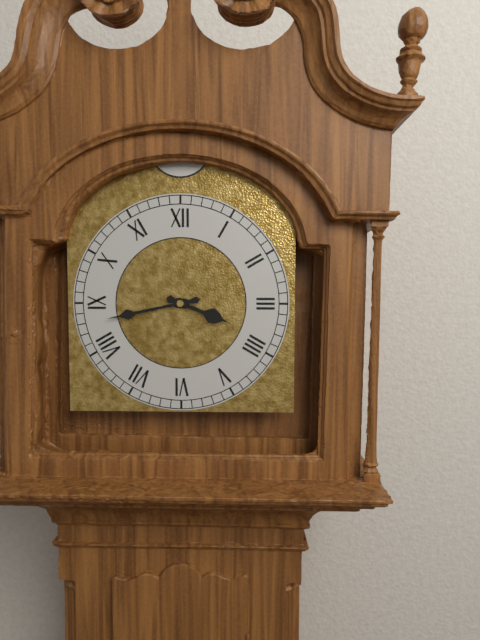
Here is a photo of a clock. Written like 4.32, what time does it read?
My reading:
3.43
